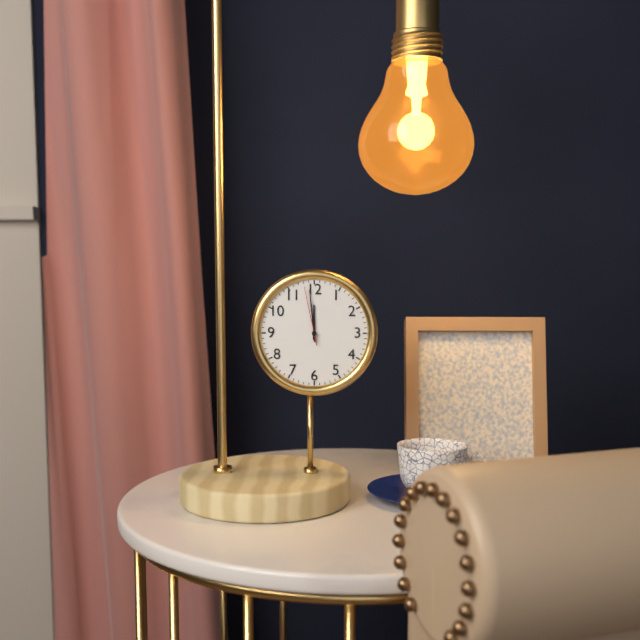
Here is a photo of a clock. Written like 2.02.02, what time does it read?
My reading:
11.59.58
